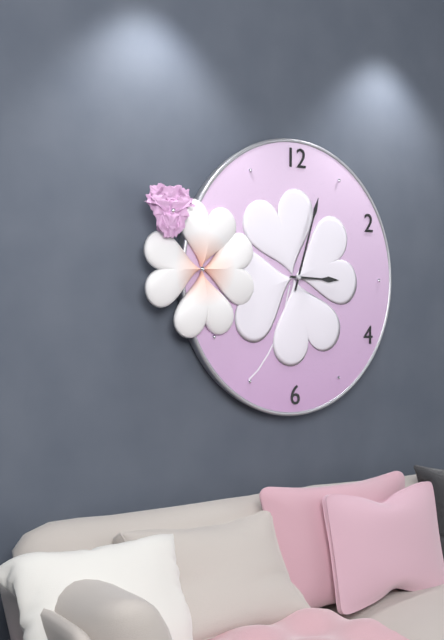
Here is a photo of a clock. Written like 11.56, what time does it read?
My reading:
3.03
